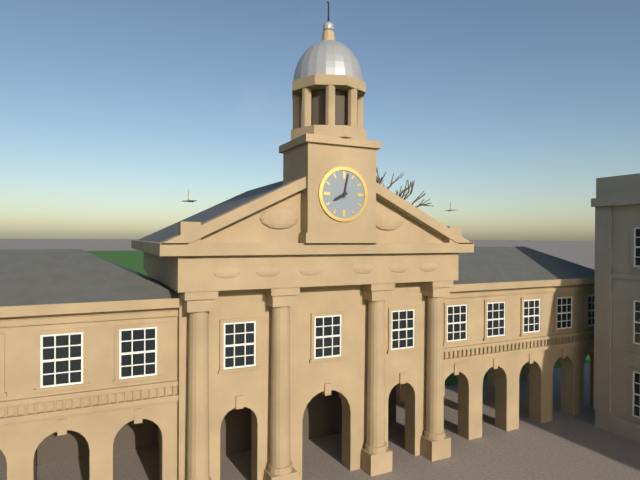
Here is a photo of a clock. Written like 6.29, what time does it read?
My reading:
8.02
